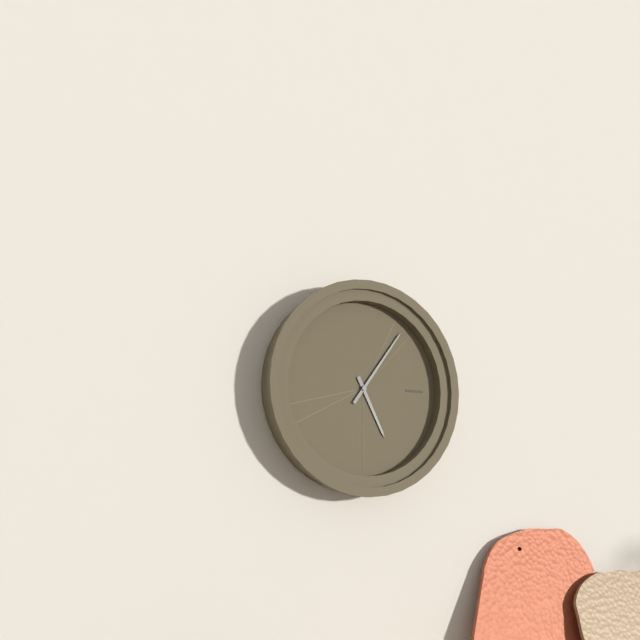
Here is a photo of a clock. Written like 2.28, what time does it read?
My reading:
5.06
